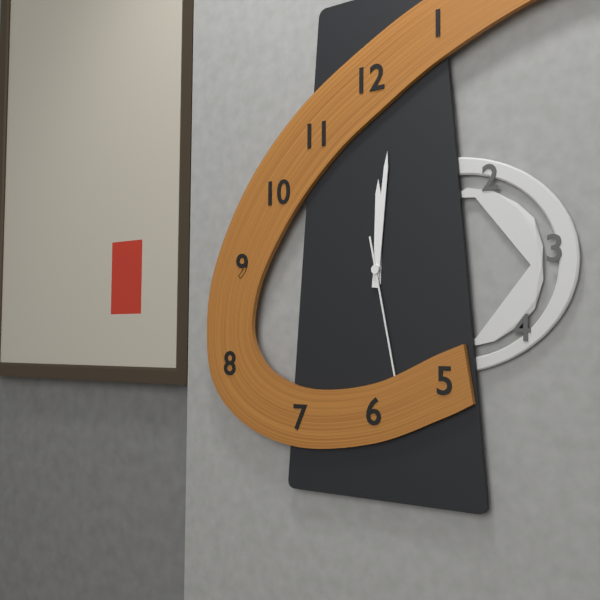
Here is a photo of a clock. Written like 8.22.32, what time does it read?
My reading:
12.01.28
